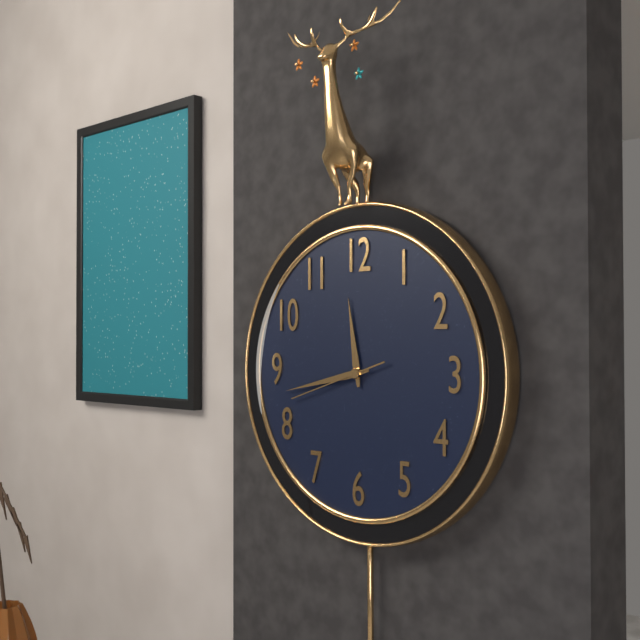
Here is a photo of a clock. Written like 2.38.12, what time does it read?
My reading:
11.43.42
